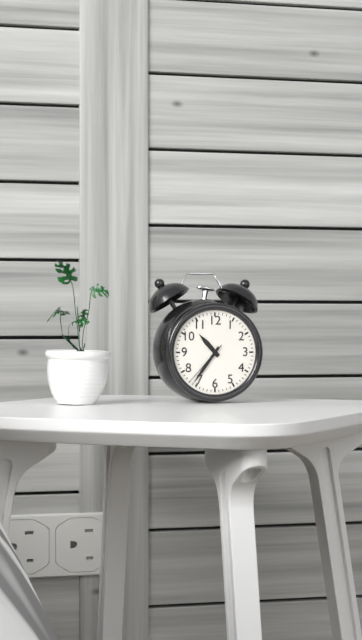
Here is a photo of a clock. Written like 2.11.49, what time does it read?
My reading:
10.36.37
